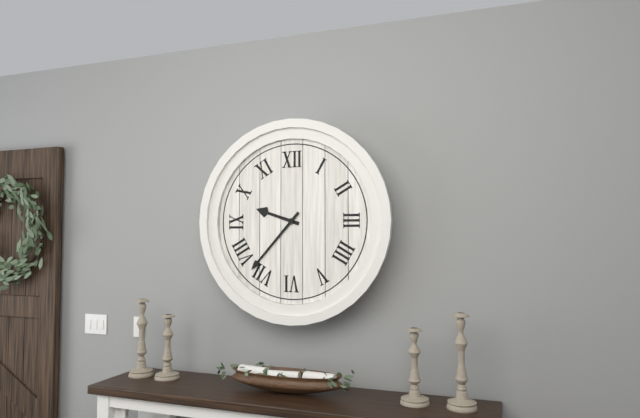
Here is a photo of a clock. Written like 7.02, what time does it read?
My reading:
9.37
